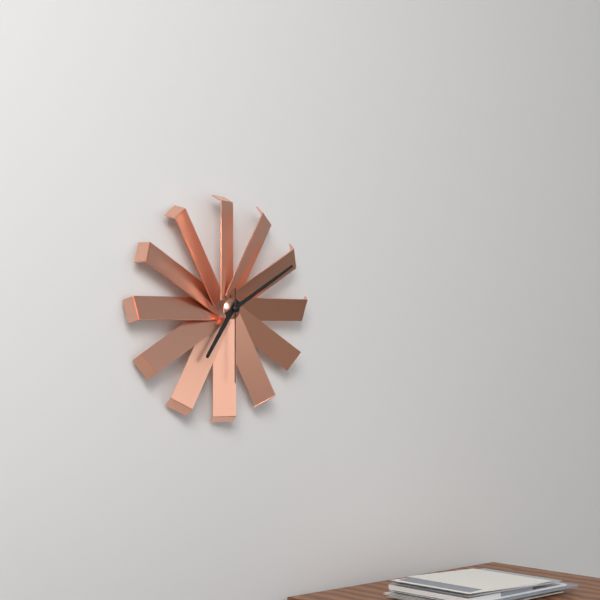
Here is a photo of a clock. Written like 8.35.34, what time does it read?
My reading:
7.10.30
